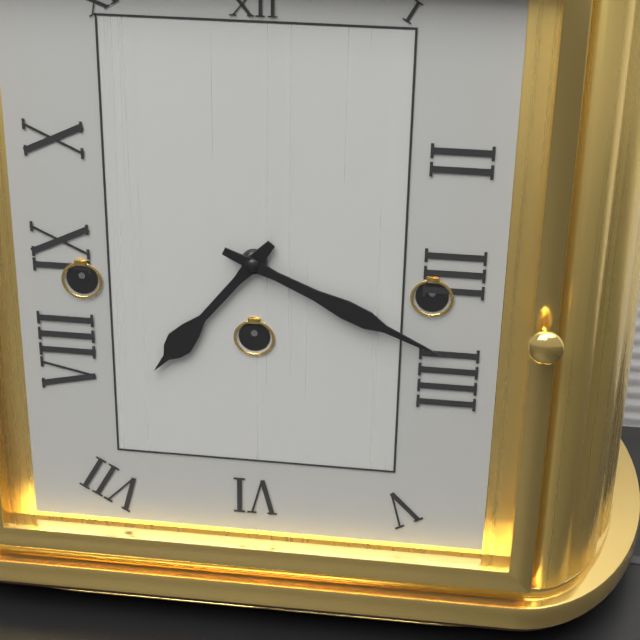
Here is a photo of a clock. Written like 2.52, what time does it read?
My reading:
7.19
